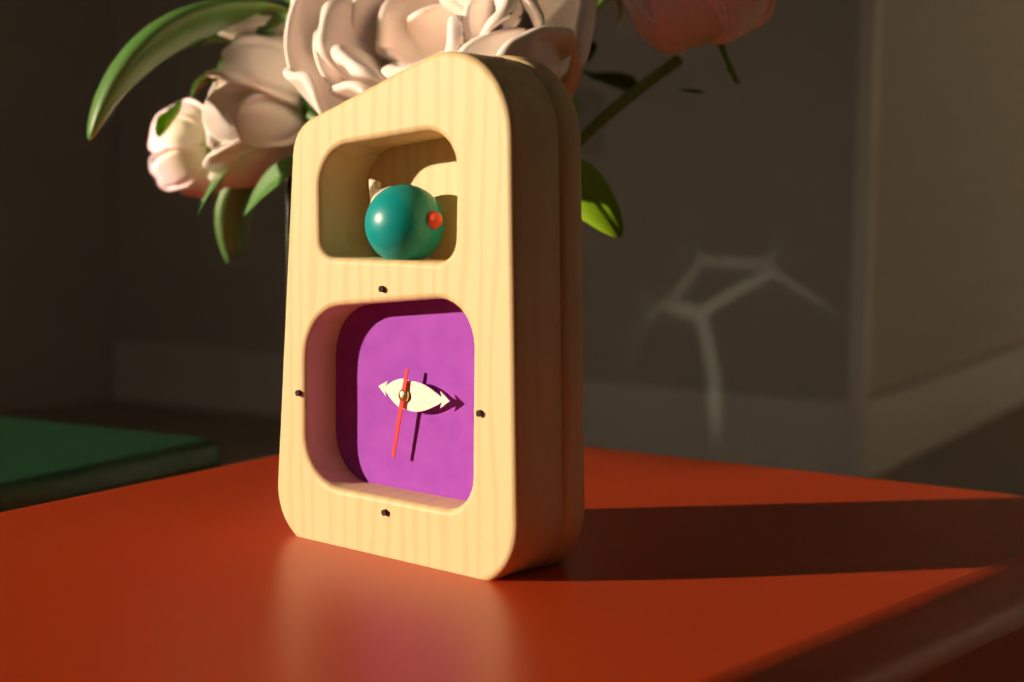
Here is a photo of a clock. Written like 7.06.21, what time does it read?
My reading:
9.15.32
